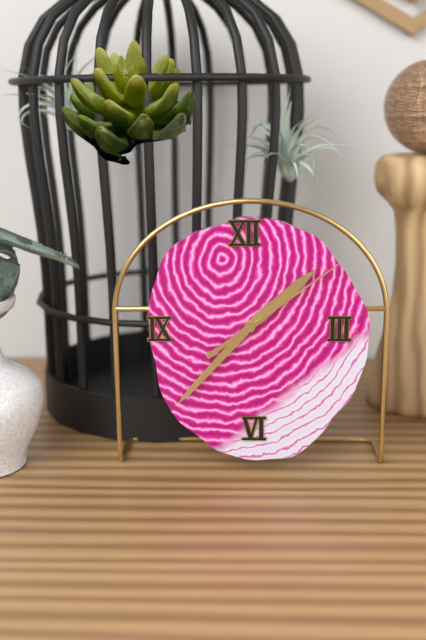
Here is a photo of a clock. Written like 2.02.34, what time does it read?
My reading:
1.37.09
